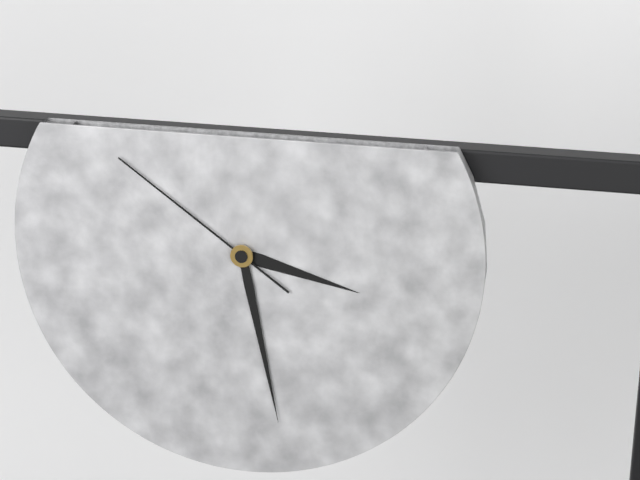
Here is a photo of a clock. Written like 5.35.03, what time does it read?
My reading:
3.28.51
